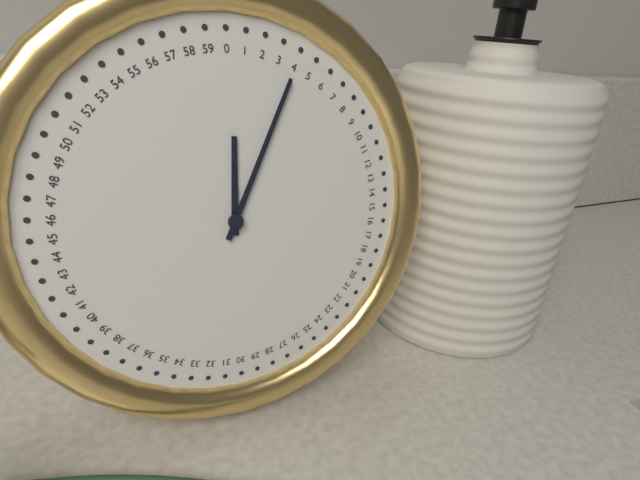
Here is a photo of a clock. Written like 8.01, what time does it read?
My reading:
12.04
